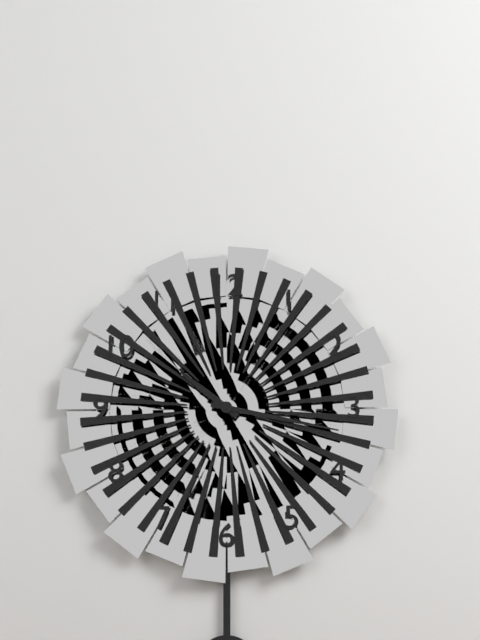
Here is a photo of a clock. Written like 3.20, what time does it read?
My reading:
10.17
